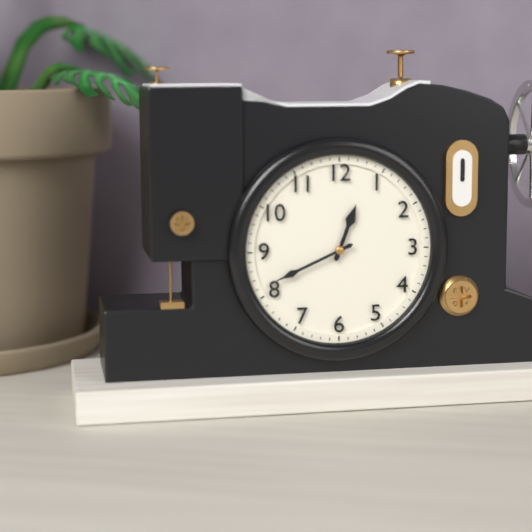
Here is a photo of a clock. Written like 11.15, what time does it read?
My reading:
12.41
